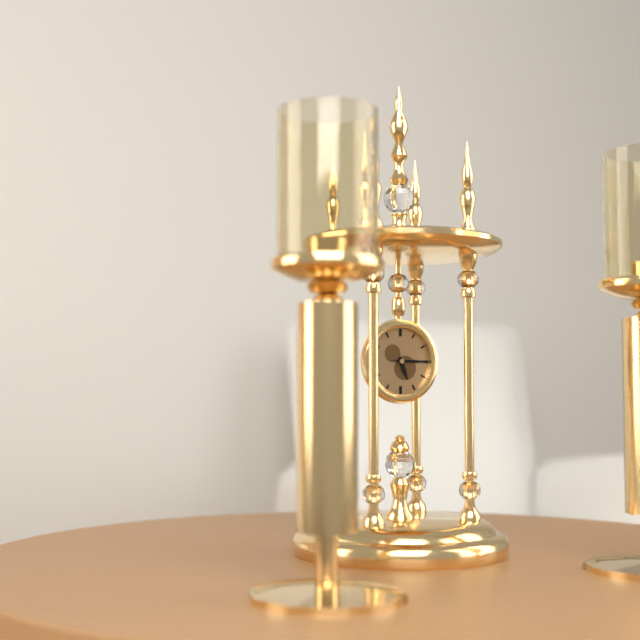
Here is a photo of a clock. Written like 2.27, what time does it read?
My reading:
5.15
